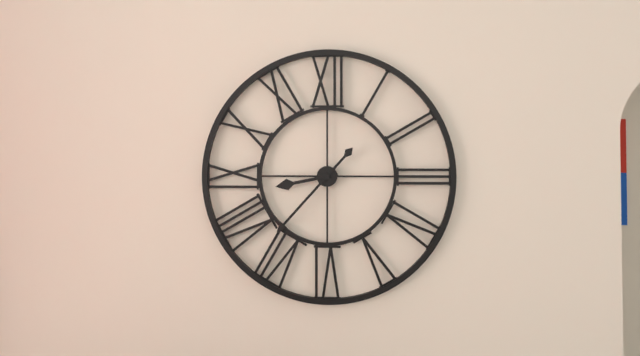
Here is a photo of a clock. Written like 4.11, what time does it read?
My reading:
8.37
